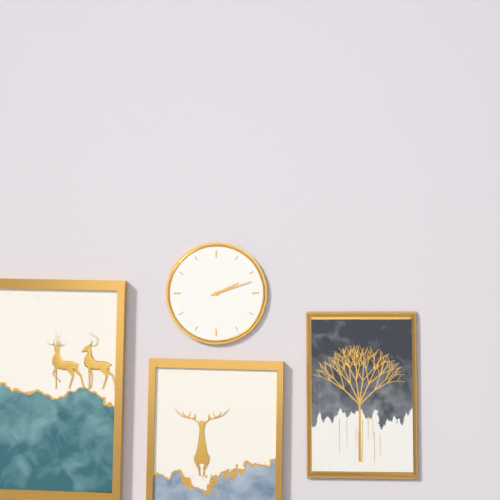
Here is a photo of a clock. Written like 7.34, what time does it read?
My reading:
2.12
